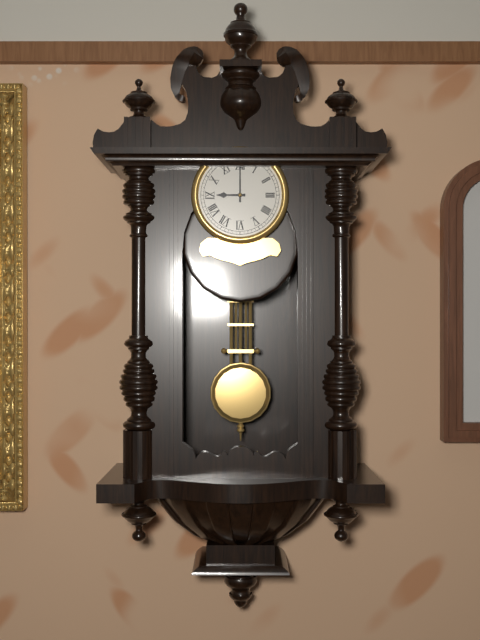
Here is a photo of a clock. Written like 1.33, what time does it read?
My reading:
9.00
